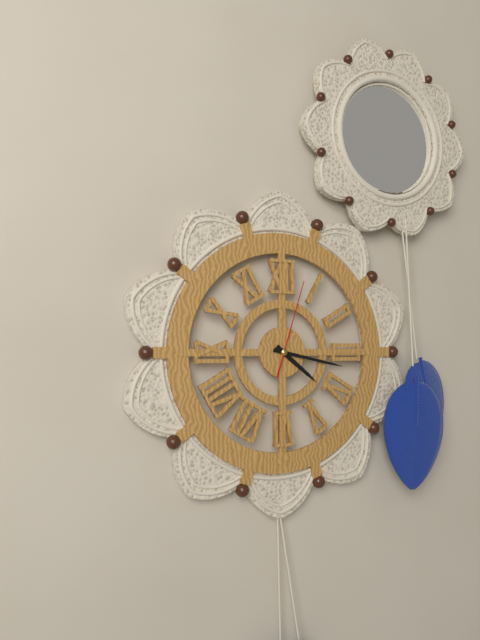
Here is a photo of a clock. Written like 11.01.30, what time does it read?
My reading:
4.17.03
